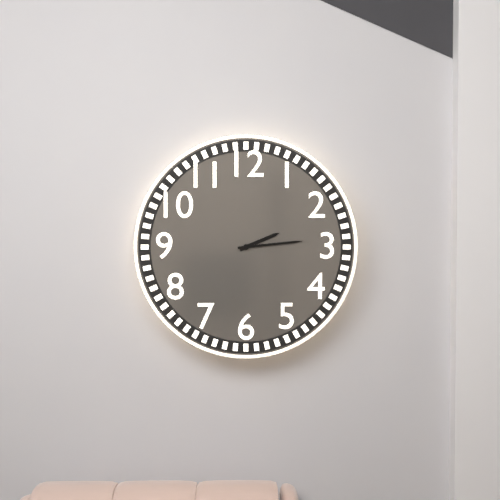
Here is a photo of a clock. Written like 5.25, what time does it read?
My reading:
2.14
